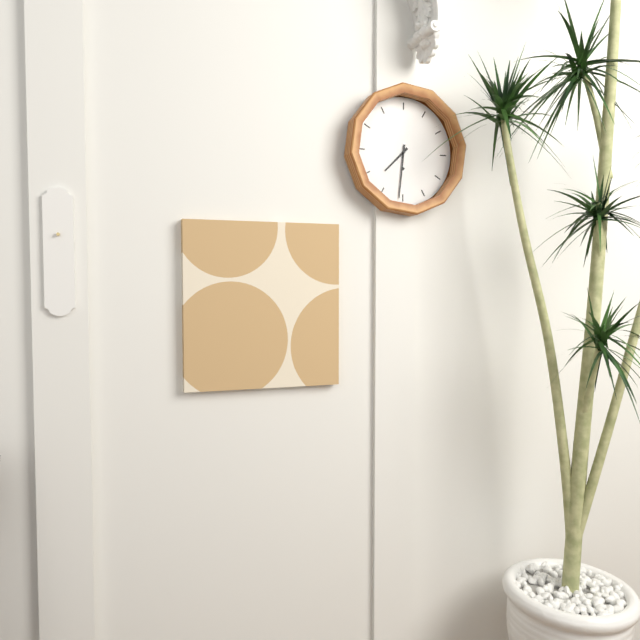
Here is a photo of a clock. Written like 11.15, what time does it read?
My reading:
7.31
